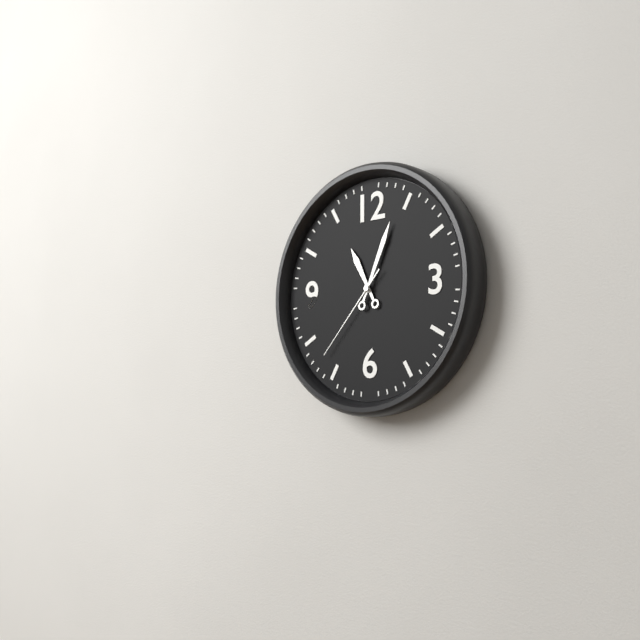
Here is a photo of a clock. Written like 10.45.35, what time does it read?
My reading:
11.04.37
